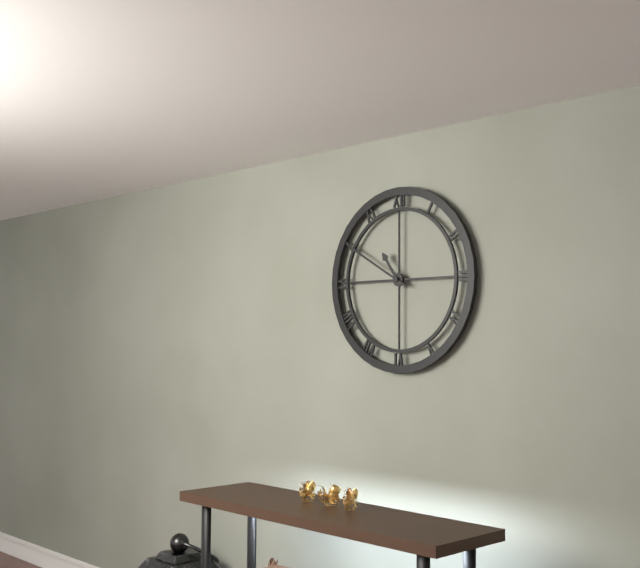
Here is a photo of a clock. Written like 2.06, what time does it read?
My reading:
10.50
